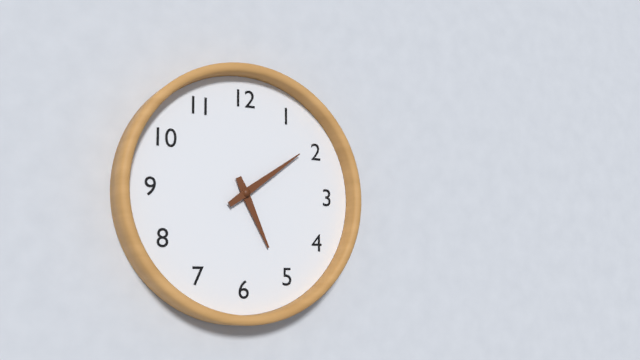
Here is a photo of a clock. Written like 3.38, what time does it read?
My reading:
5.09
